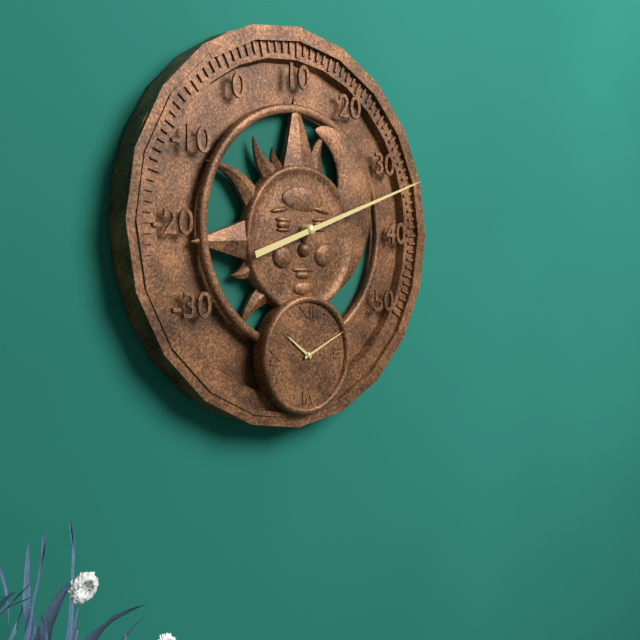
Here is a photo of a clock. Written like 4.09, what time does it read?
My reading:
10.11
